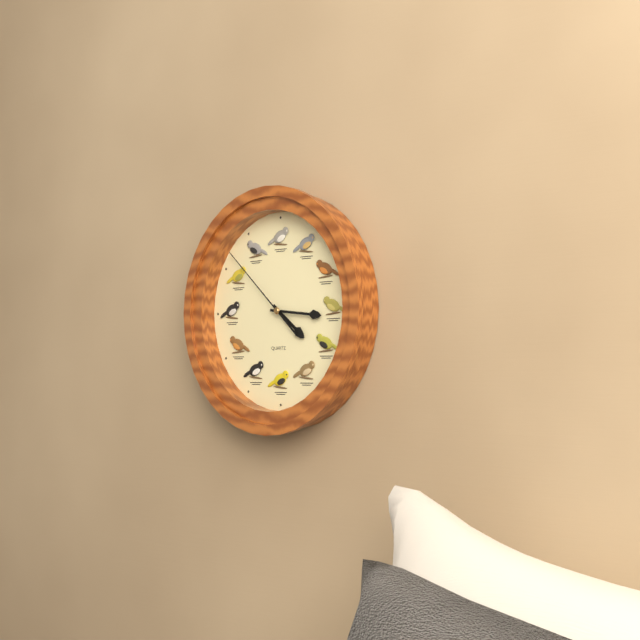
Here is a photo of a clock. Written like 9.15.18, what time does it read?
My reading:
4.16.52
